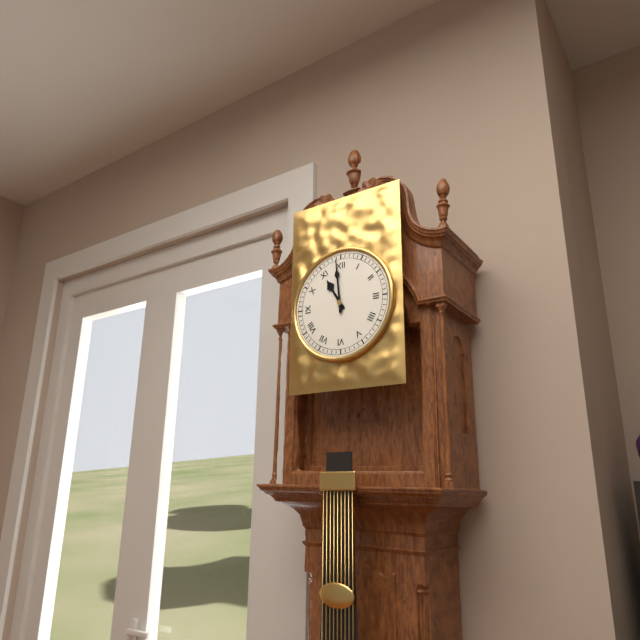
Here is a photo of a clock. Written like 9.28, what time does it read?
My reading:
10.59
